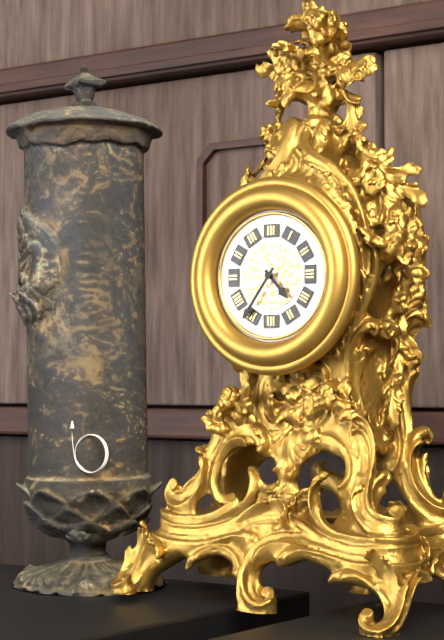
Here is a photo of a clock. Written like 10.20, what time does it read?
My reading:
4.36
